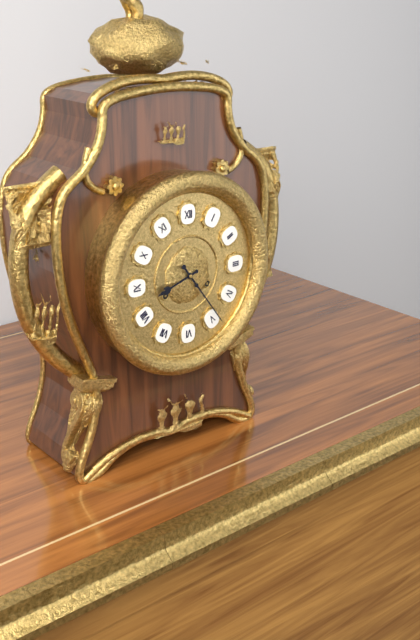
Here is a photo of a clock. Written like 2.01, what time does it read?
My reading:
8.24
